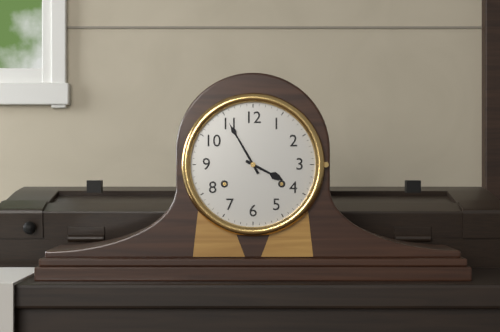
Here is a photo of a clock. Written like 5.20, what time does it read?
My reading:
3.55
